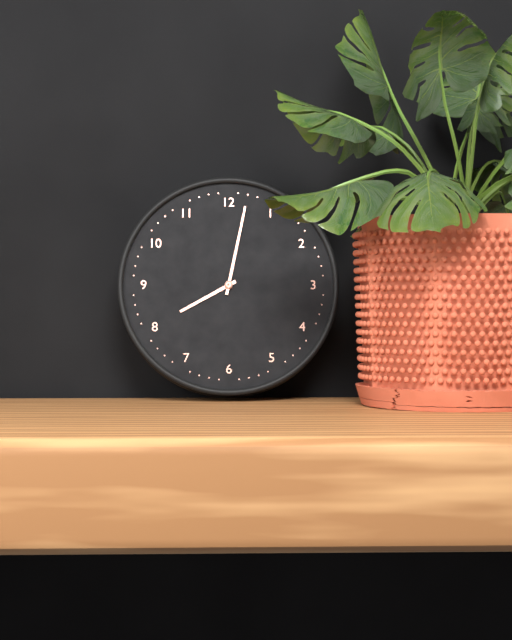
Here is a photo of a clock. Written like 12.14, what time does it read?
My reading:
8.02
